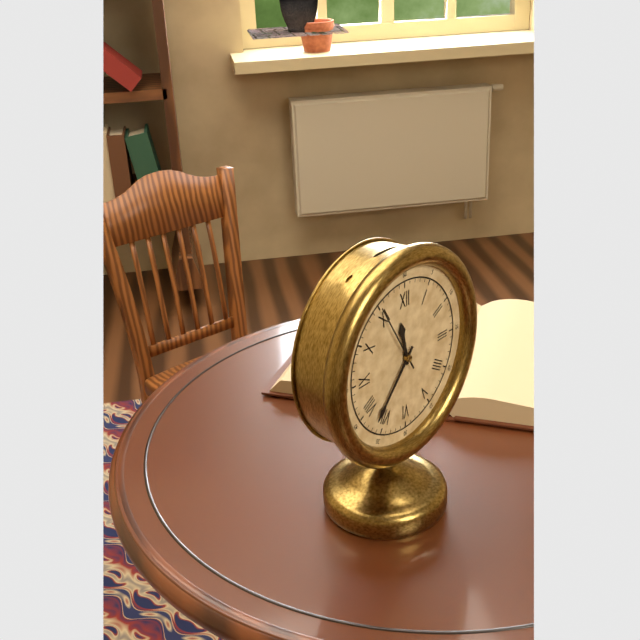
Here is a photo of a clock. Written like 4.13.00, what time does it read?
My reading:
11.37.55
